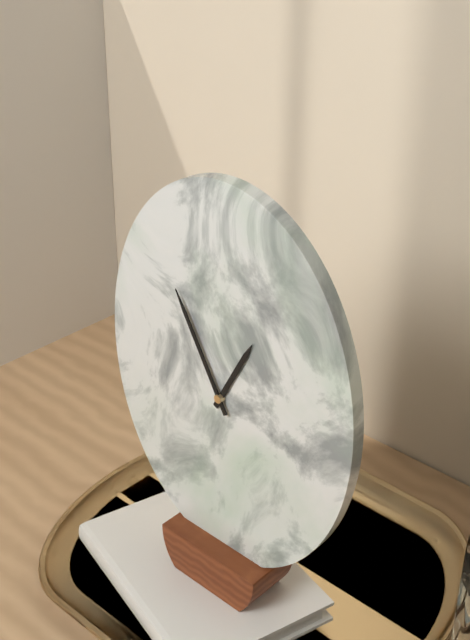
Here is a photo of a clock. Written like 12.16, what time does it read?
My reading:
12.55
